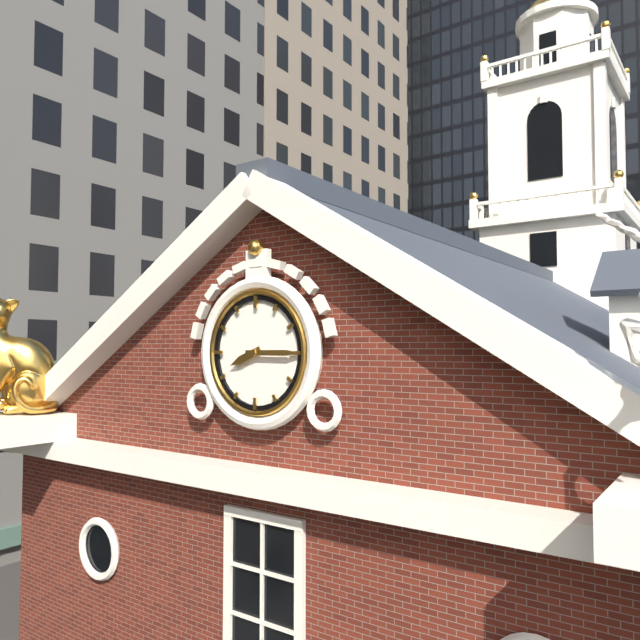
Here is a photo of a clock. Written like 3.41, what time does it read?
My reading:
8.15
